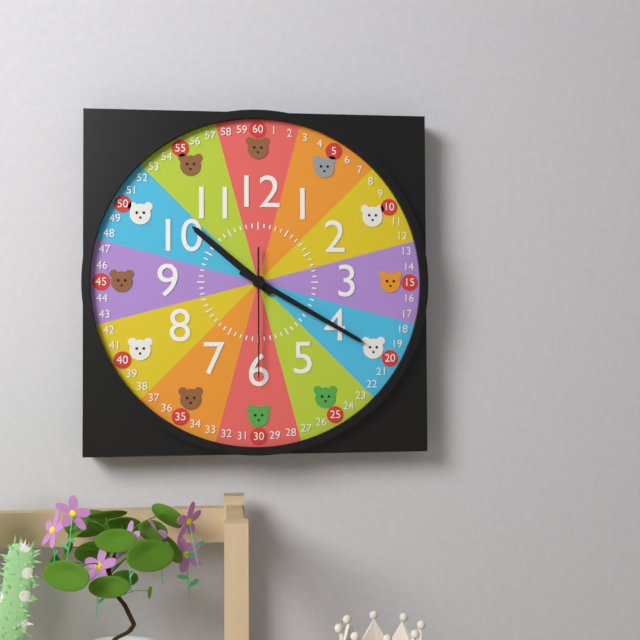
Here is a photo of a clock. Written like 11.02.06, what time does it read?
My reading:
10.20.30
